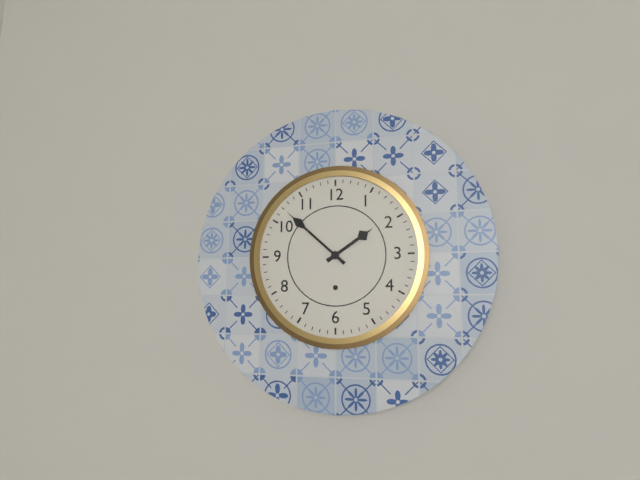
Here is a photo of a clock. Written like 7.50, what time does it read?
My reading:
1.52
